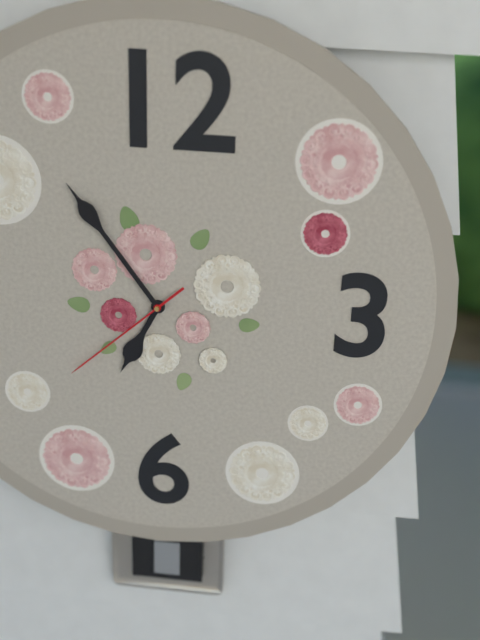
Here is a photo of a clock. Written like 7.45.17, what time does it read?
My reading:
6.54.38
